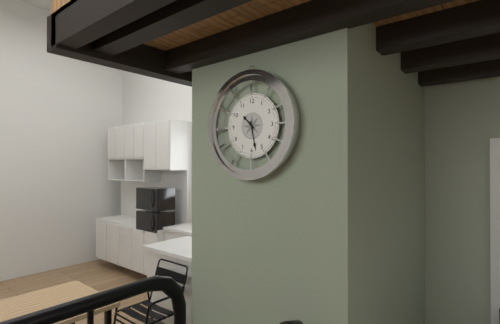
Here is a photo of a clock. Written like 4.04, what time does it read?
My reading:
10.28
